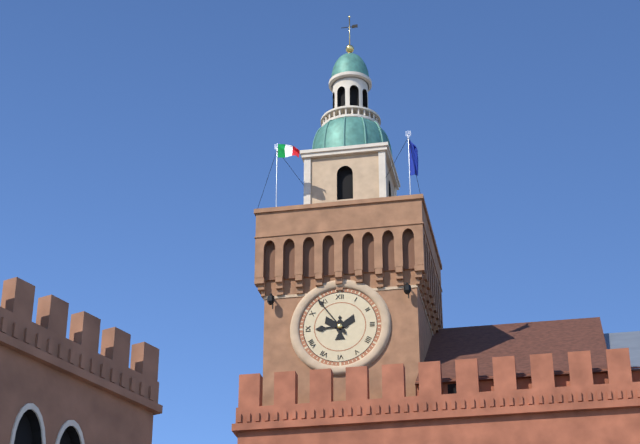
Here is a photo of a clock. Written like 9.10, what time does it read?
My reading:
8.54
